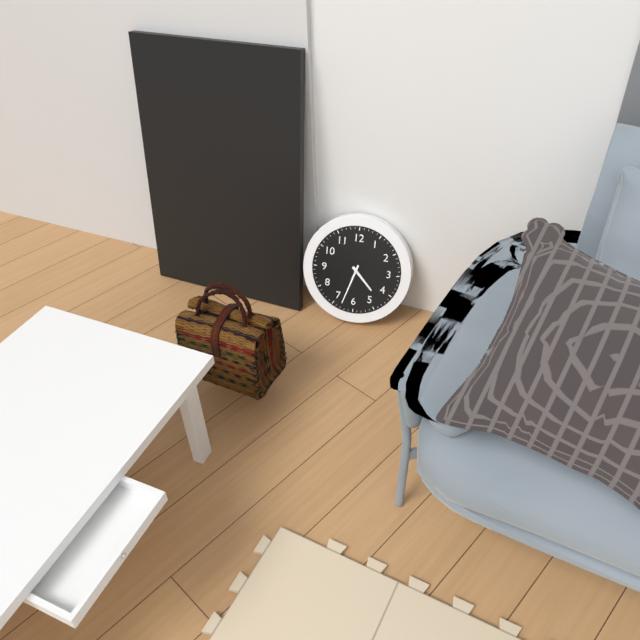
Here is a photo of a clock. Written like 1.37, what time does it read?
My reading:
4.33
